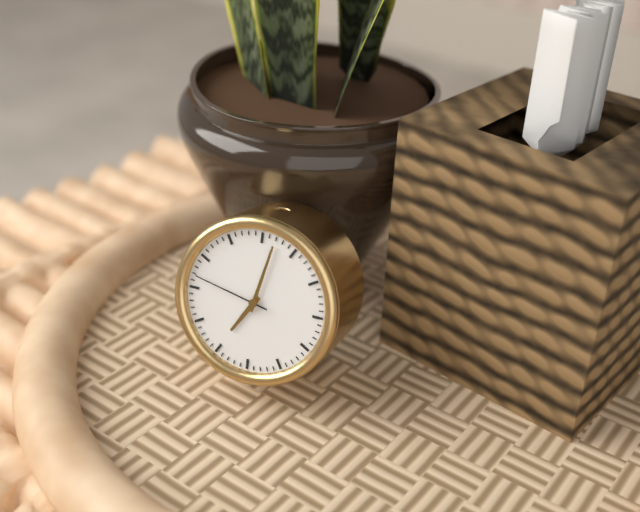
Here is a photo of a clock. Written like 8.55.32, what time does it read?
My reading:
7.02.47
